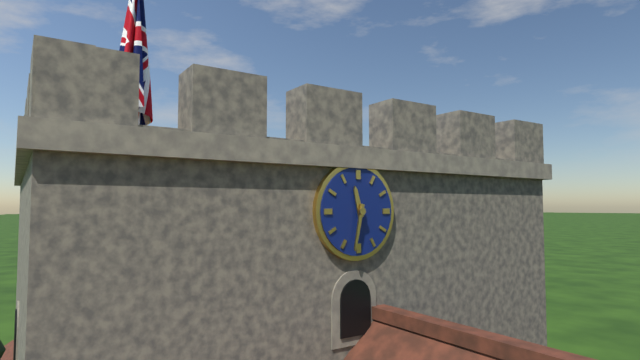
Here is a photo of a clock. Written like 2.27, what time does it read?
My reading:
11.32
